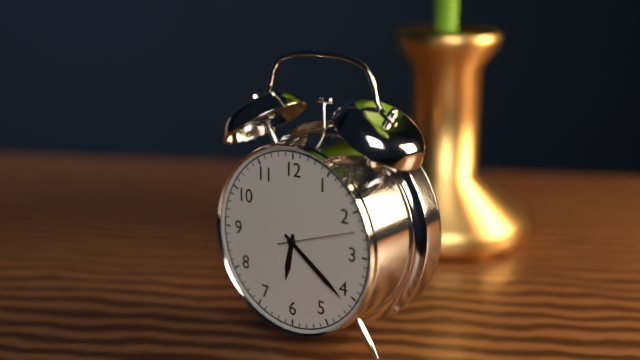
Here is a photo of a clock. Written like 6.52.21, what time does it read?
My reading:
6.21.12
